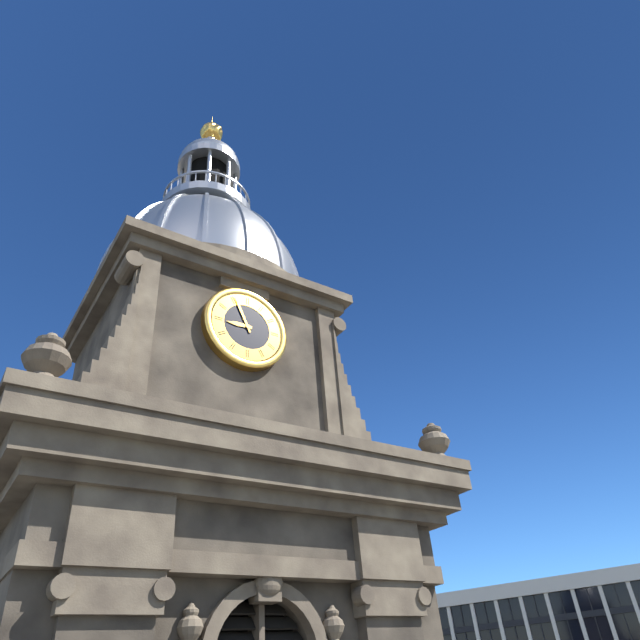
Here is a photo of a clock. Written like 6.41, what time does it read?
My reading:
8.56
